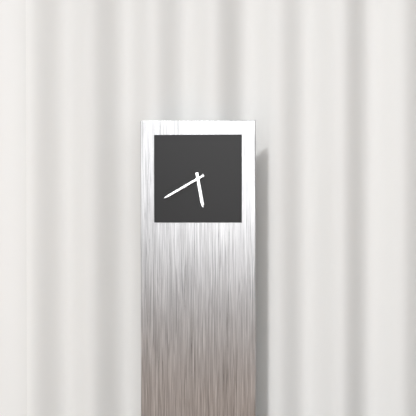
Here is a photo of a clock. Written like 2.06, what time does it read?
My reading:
5.40
